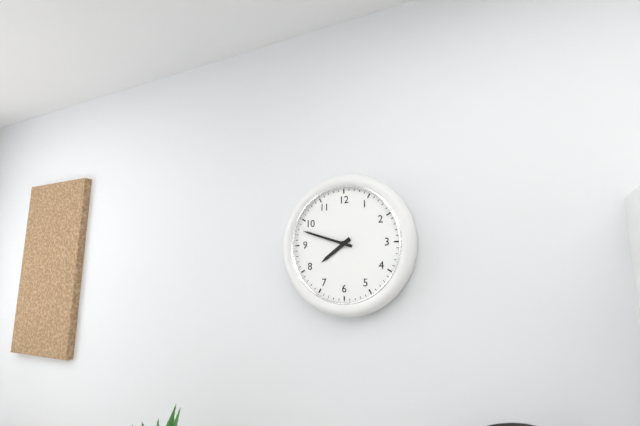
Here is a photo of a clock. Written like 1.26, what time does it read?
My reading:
7.48
